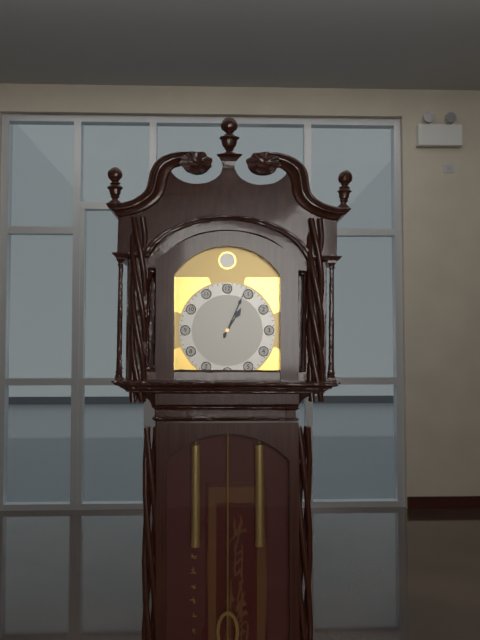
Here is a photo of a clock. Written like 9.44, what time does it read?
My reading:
1.04
